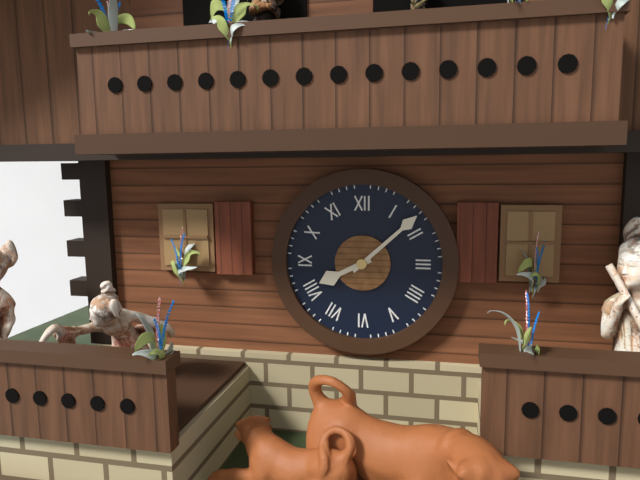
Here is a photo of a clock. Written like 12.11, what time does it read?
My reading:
8.08
